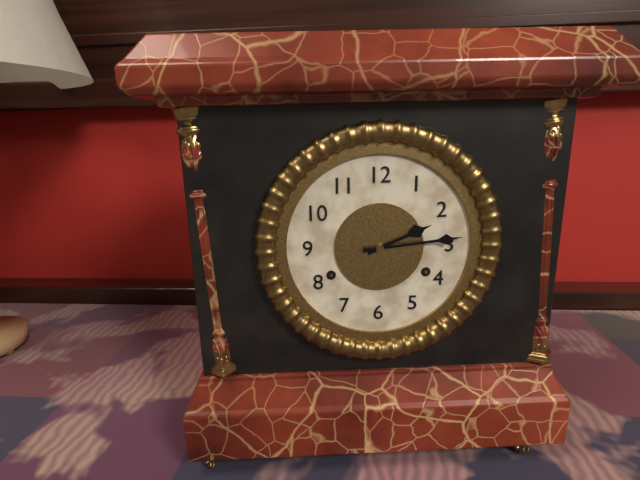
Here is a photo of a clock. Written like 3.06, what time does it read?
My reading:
2.14
